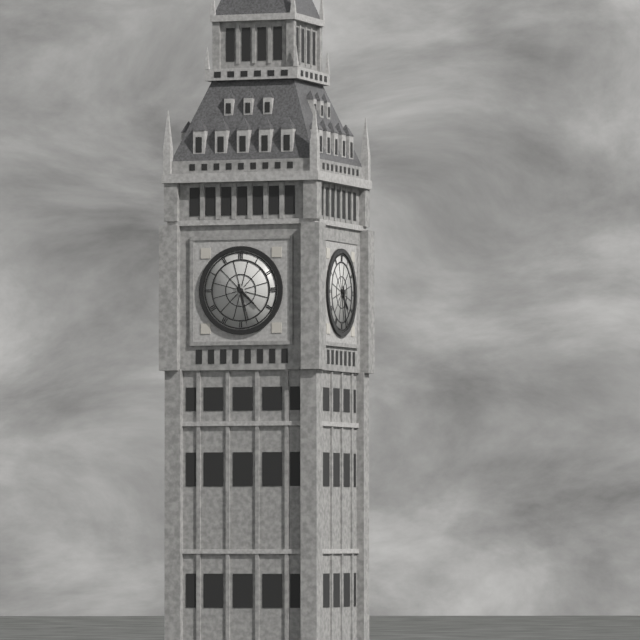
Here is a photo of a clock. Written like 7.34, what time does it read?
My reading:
4.28
